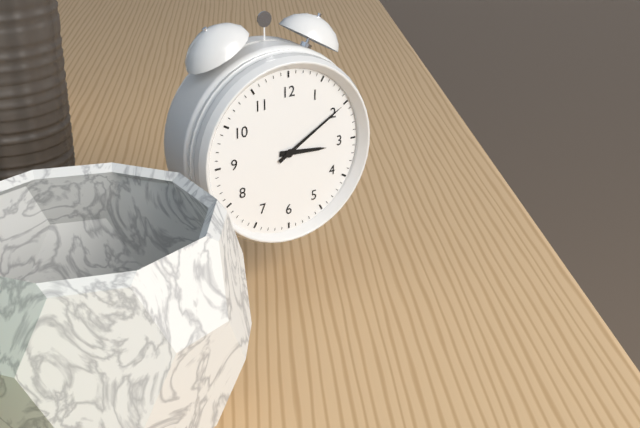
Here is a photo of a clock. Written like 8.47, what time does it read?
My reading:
3.10
